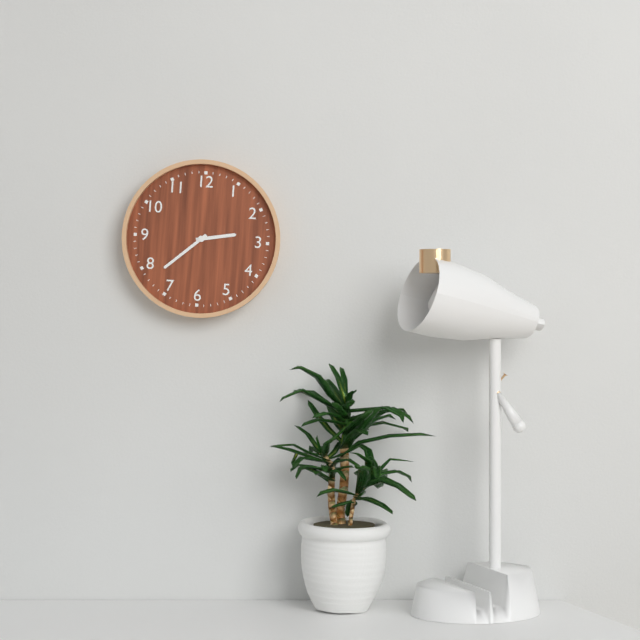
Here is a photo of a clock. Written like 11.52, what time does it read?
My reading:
2.38
